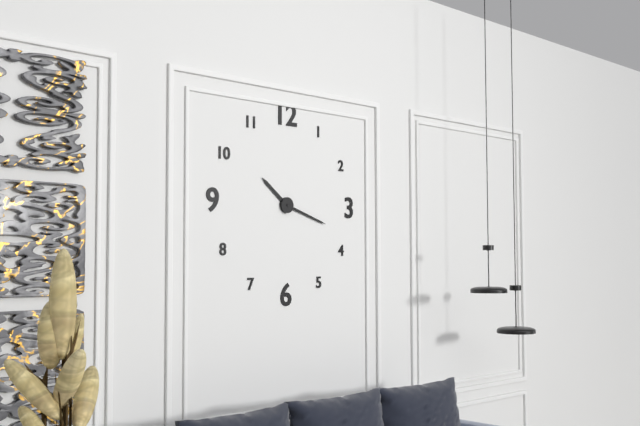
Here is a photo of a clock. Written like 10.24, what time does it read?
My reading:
10.18
